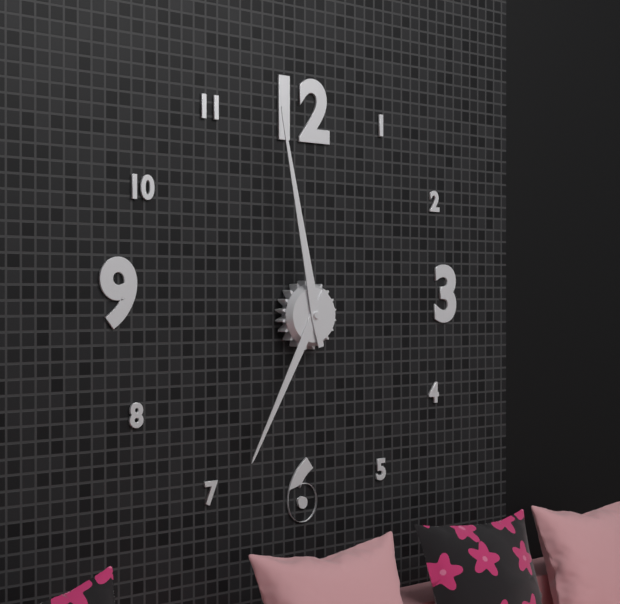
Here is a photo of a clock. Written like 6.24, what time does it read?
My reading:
6.58
